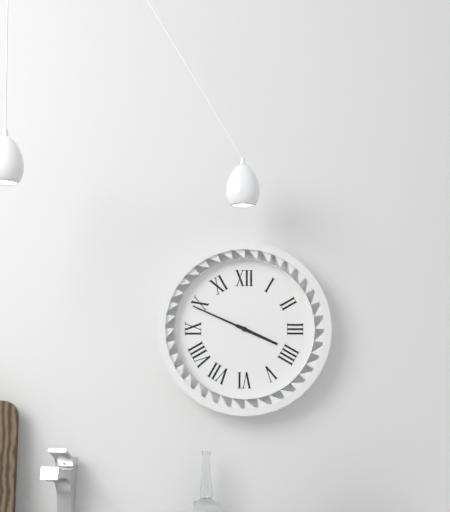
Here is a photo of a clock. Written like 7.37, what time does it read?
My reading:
3.49
